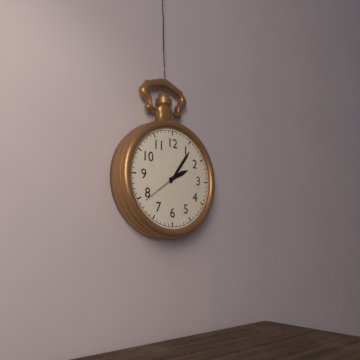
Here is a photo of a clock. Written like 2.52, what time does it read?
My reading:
2.06
